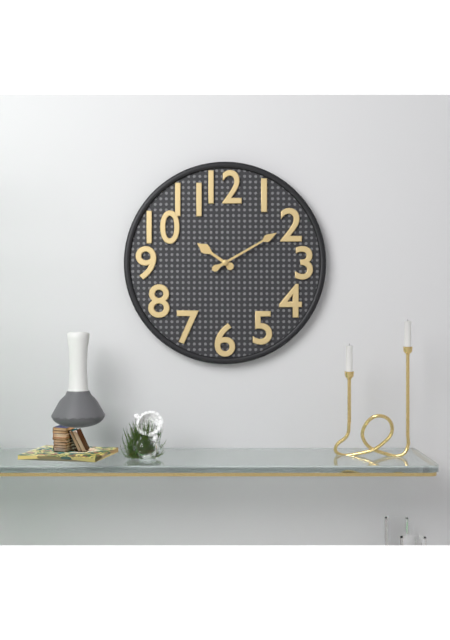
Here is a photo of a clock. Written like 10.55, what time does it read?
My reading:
10.10
